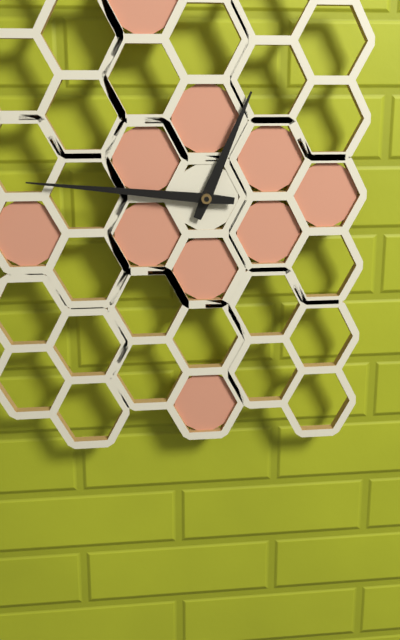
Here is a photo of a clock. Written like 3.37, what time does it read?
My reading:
12.46
